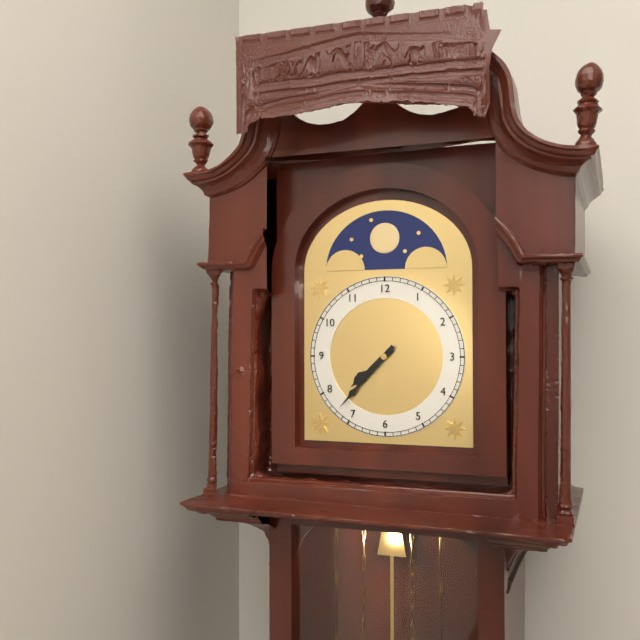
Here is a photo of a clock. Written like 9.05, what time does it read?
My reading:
7.37
